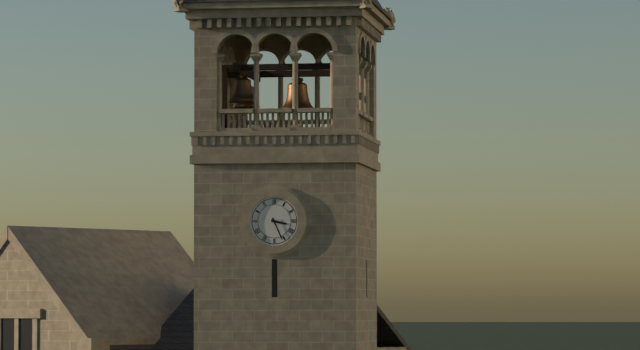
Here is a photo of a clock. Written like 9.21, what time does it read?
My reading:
3.26
